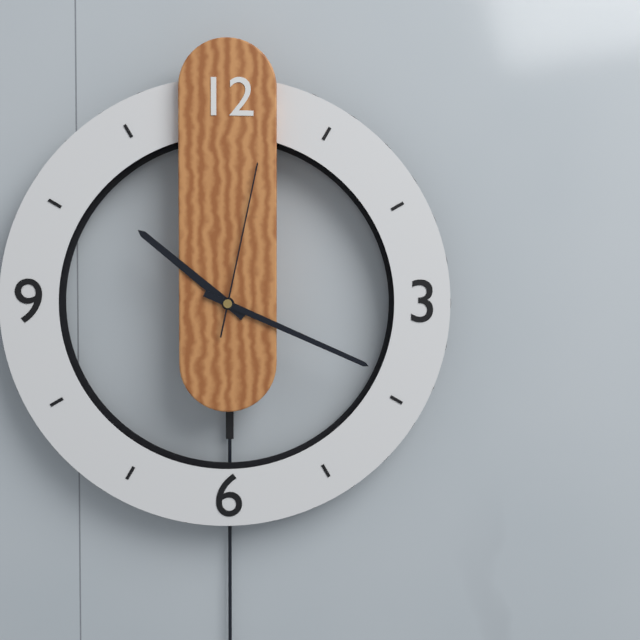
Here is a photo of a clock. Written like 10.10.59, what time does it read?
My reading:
10.19.02
